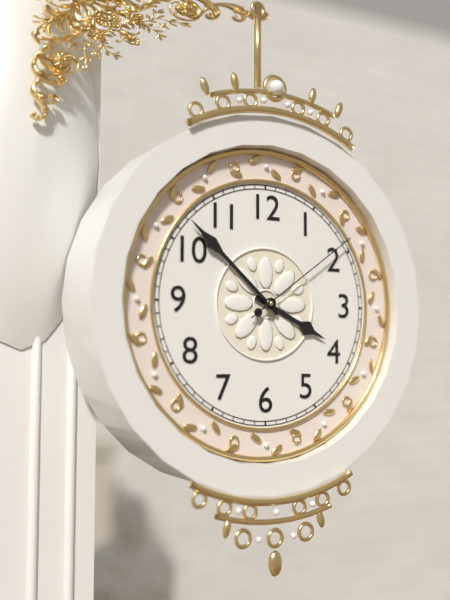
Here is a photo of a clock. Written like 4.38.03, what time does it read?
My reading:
3.52.09
